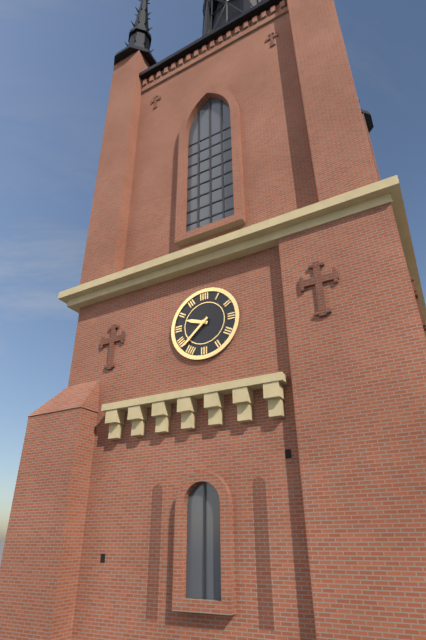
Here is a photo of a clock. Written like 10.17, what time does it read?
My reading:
9.38
